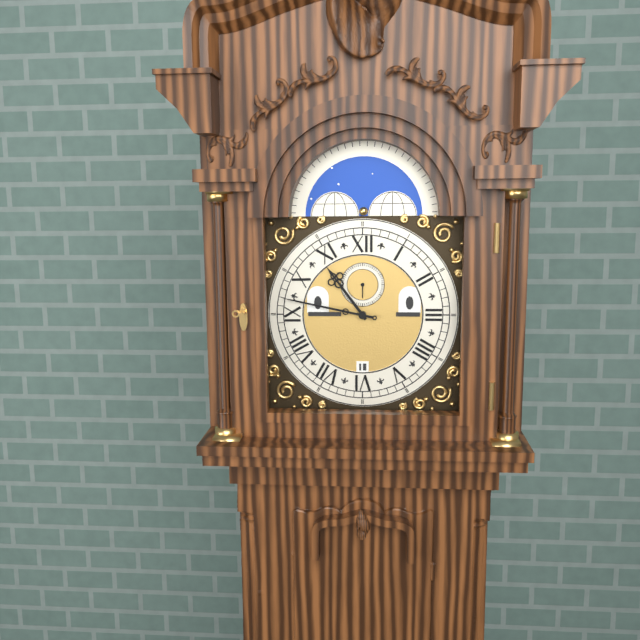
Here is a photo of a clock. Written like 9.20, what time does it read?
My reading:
10.47
